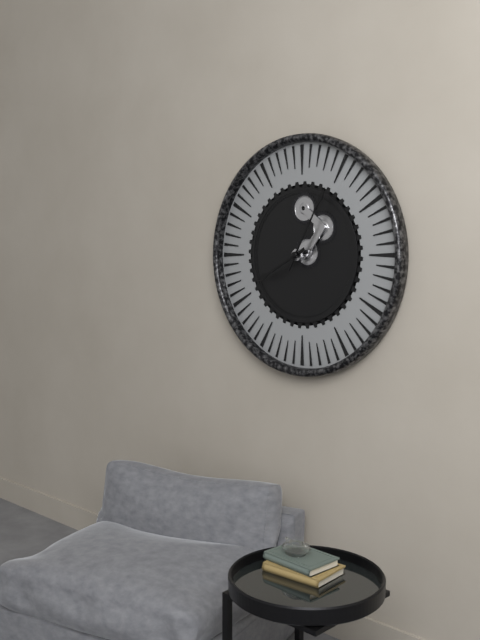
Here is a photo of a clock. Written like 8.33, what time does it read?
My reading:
8.05
